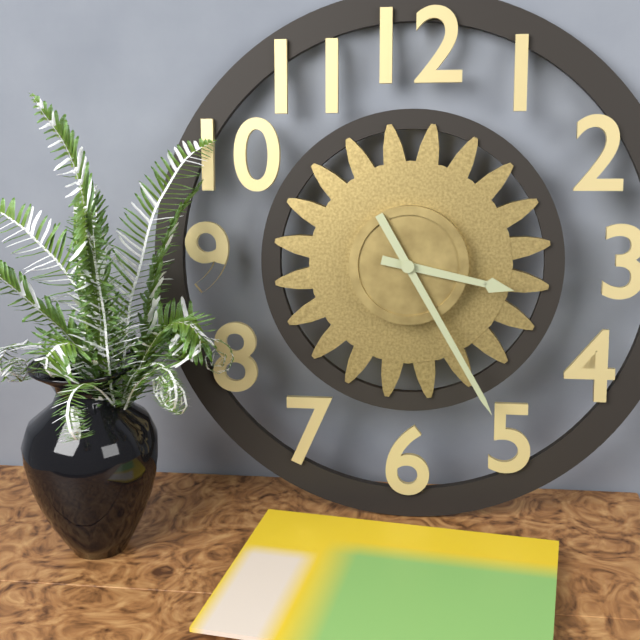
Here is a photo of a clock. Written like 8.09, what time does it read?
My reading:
3.25
